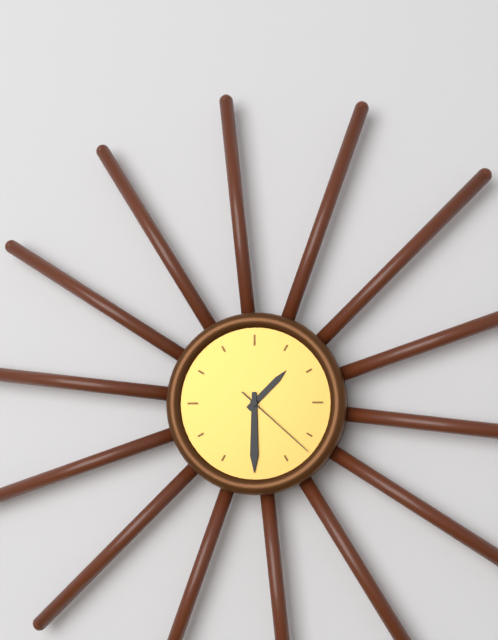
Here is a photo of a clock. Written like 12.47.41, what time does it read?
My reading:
1.30.22
